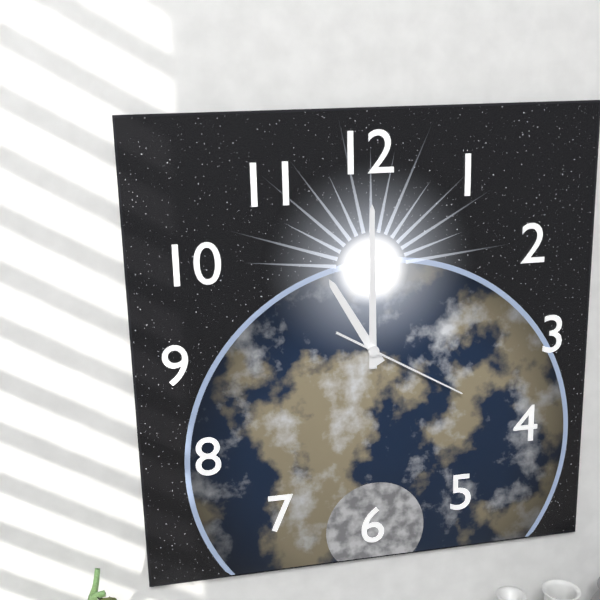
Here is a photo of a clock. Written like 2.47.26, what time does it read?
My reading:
11.00.20
